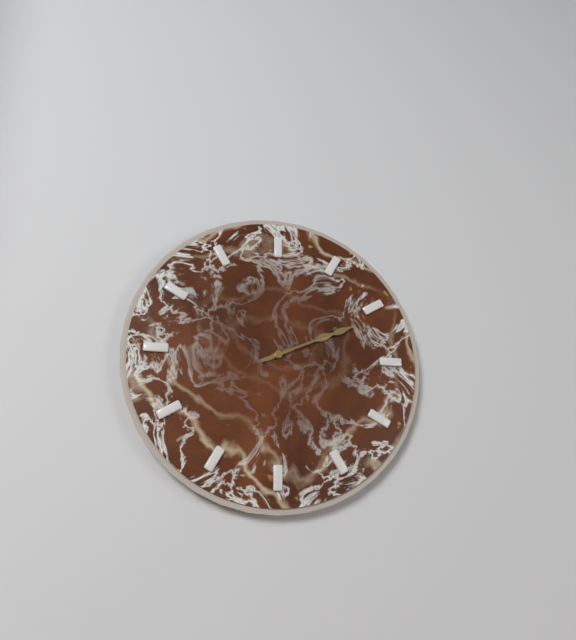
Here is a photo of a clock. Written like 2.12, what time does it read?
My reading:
2.11
